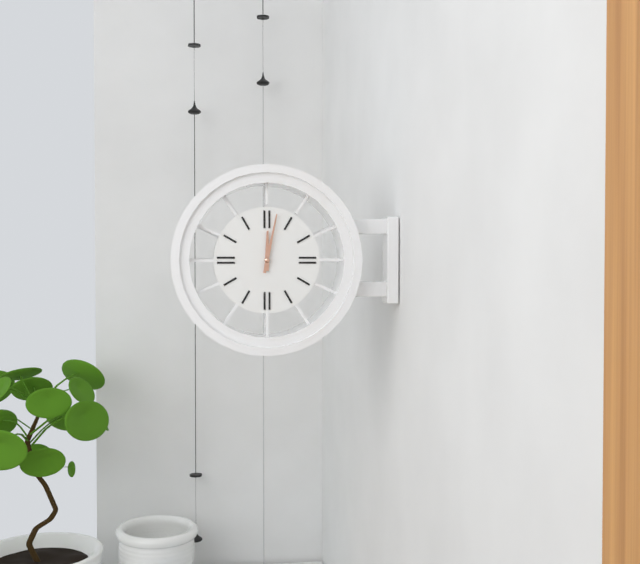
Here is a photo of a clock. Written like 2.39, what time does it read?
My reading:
12.02
